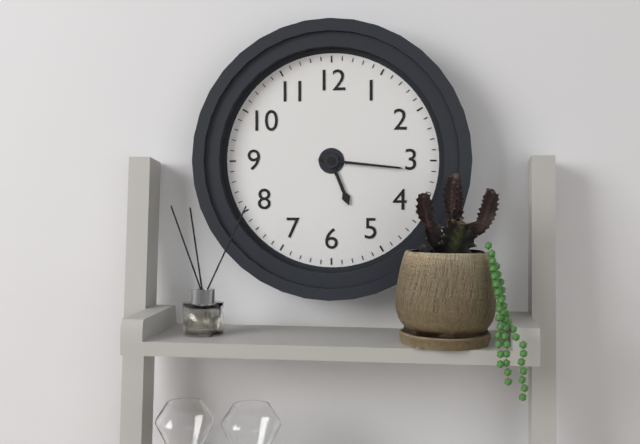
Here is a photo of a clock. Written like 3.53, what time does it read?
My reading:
5.16
